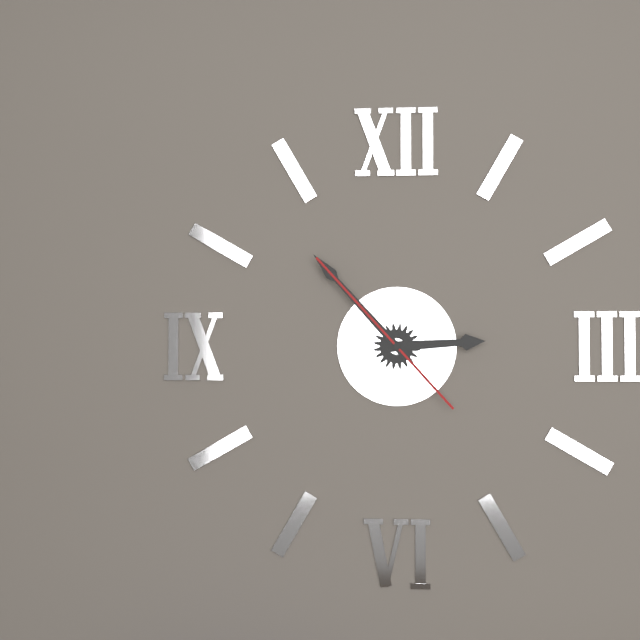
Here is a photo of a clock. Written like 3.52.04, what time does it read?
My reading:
2.53.53
